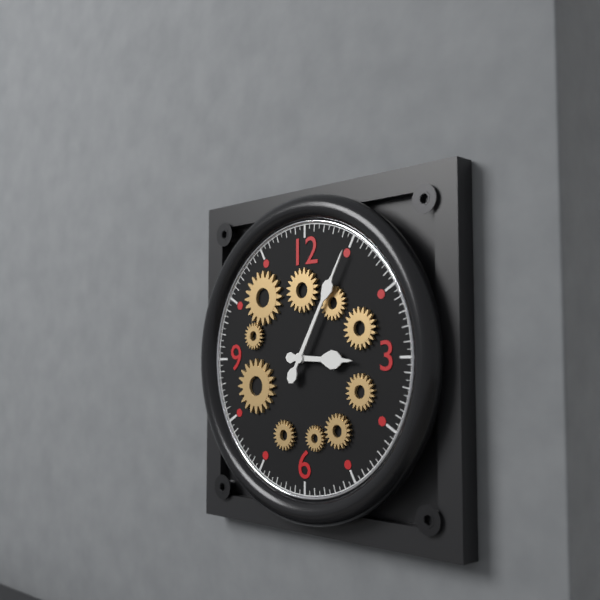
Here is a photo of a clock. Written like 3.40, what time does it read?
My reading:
3.05
